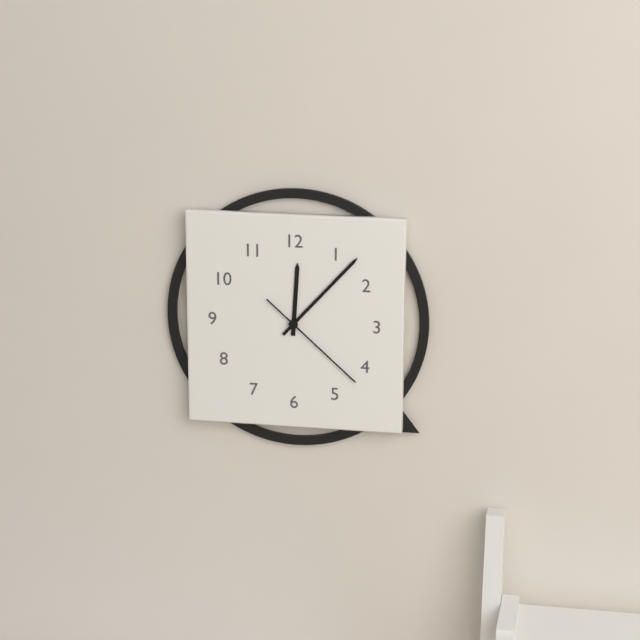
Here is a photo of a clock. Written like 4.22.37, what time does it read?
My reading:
12.07.22
